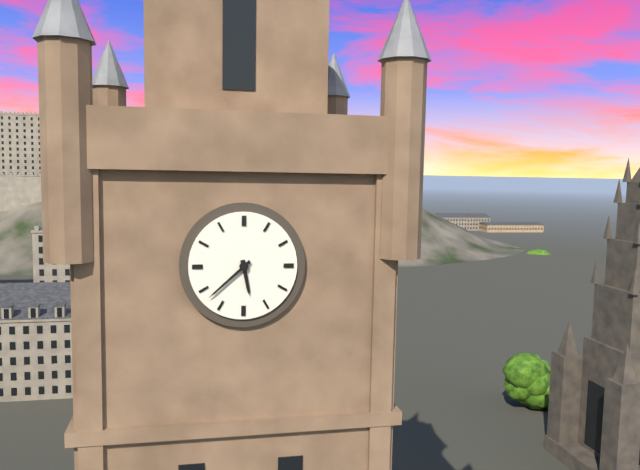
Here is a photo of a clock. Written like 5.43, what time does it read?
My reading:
5.38
